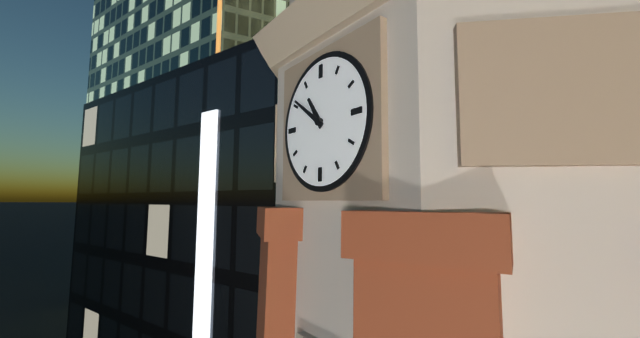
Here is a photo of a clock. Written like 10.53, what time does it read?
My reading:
10.51
